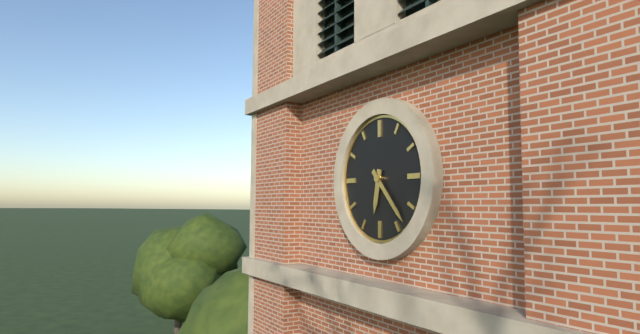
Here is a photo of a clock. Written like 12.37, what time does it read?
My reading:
6.23
